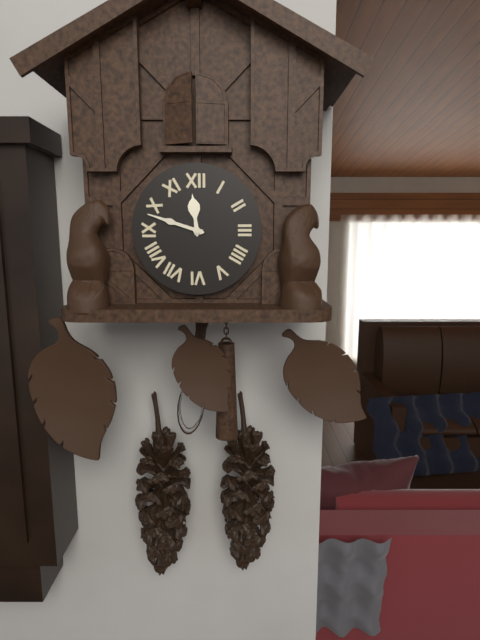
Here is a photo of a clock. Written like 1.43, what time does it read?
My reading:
11.48
